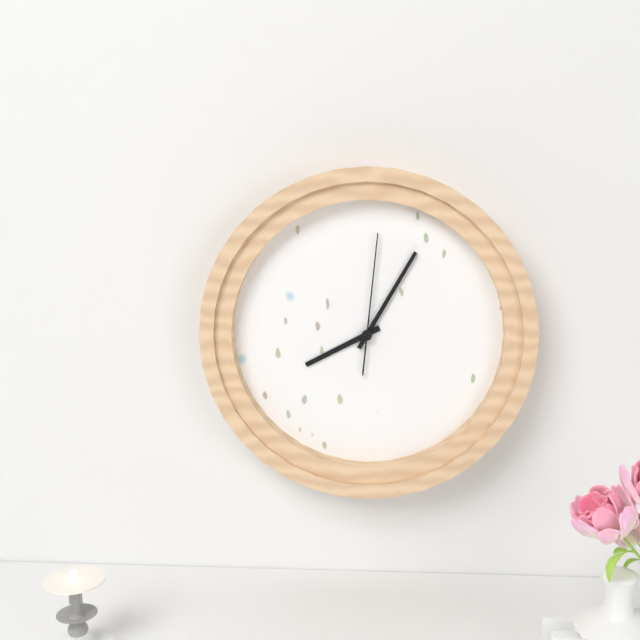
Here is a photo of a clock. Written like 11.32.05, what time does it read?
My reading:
8.05.01
